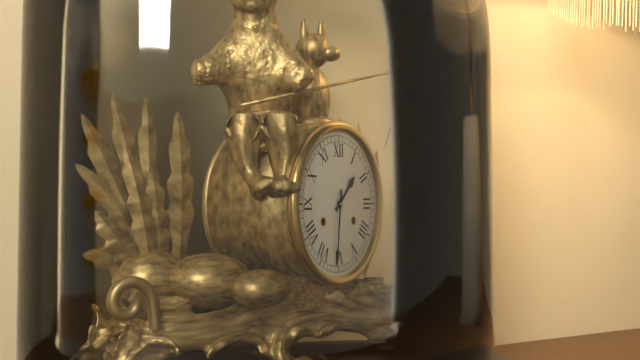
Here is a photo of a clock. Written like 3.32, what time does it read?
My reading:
1.31
